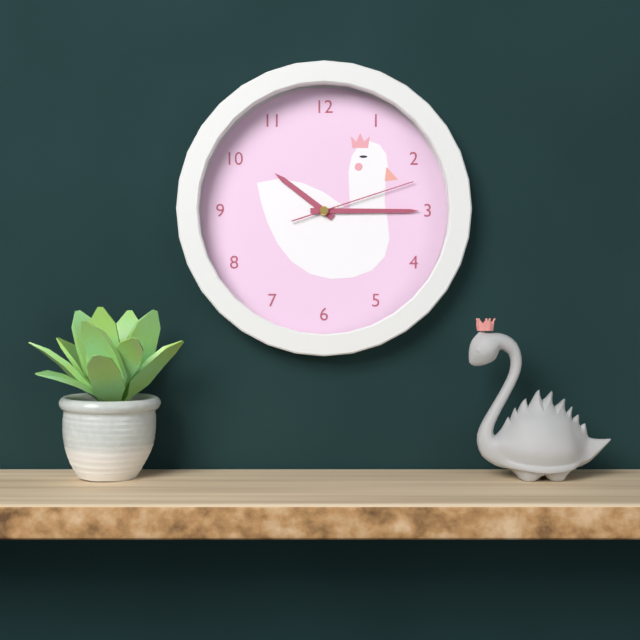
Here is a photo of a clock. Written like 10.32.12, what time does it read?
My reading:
10.15.12
